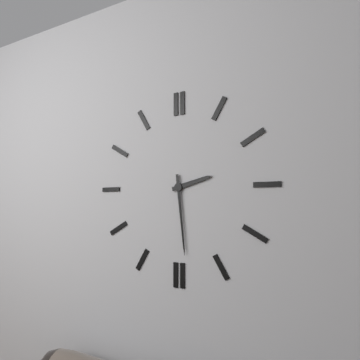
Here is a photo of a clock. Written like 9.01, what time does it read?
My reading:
2.29
